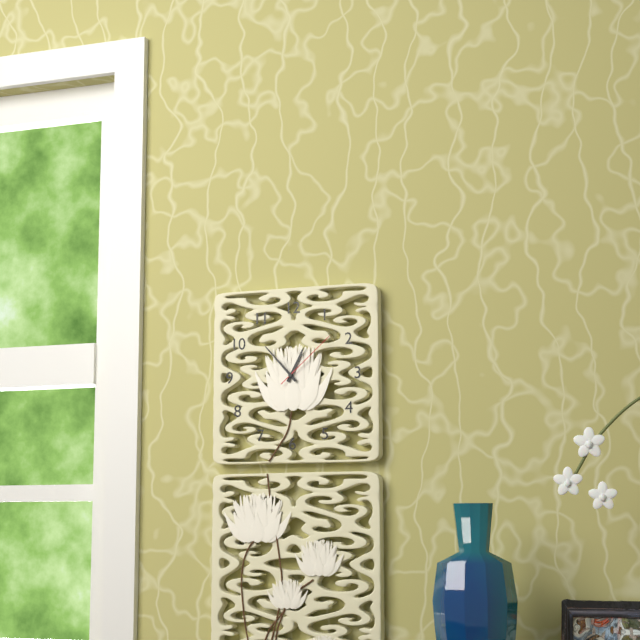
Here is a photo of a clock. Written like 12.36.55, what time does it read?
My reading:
12.53.08
